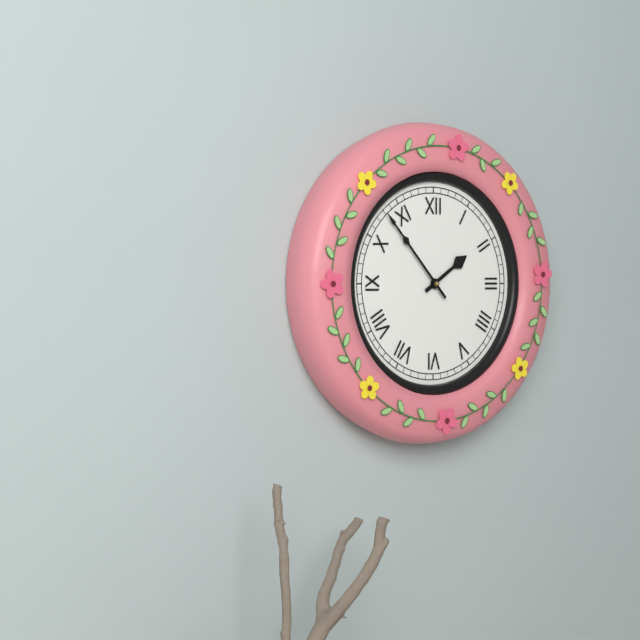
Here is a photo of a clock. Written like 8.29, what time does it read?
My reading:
1.53
